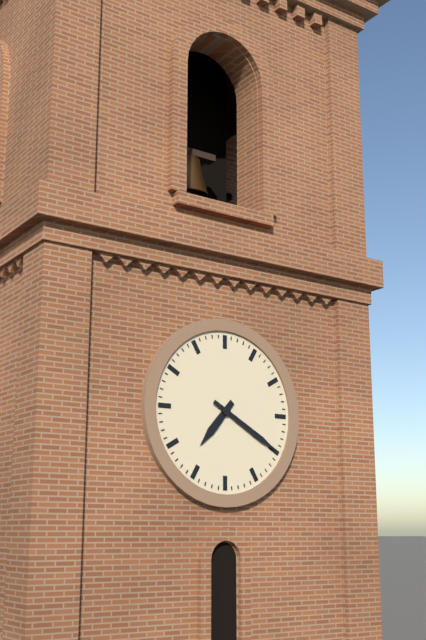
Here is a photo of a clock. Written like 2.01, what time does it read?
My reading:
7.20
